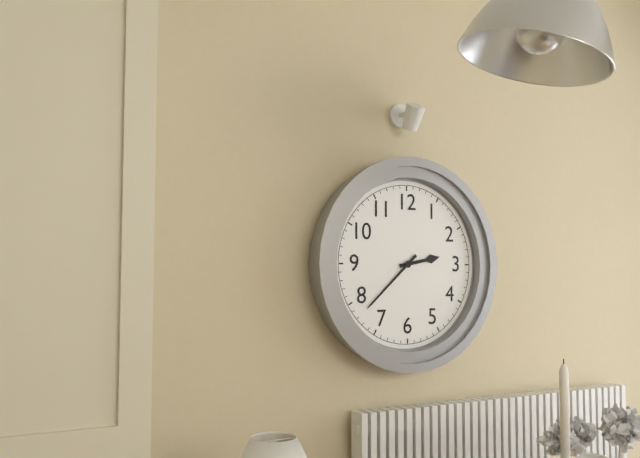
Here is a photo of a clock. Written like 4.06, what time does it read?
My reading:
2.38
